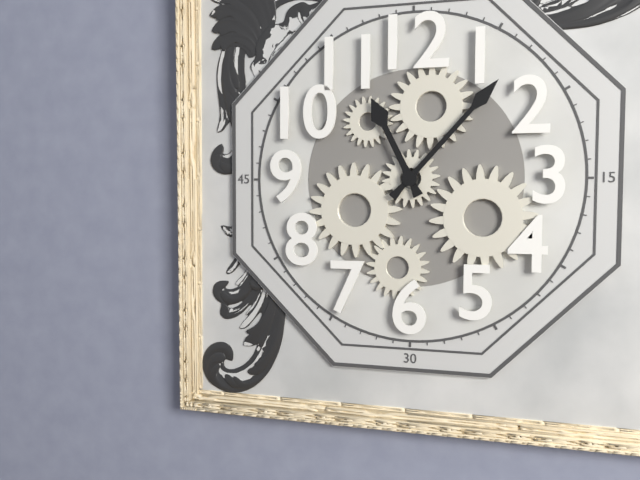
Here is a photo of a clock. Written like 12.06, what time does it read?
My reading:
11.07
